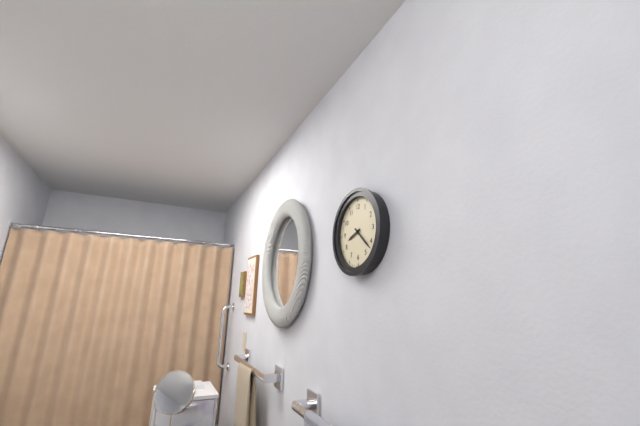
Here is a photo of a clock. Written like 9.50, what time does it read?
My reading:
8.22
